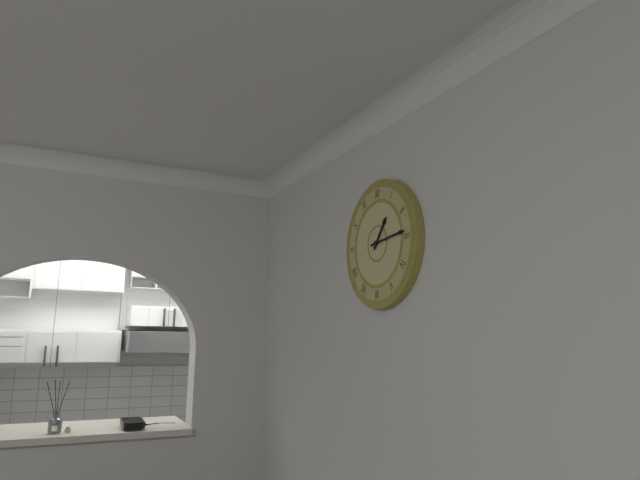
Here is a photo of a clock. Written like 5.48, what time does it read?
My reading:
1.14
